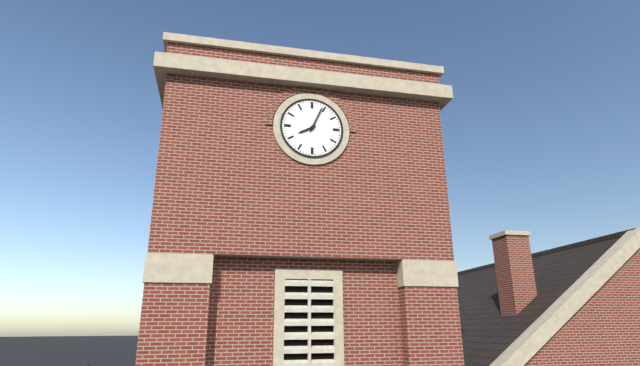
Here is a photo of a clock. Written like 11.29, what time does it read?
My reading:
8.04
